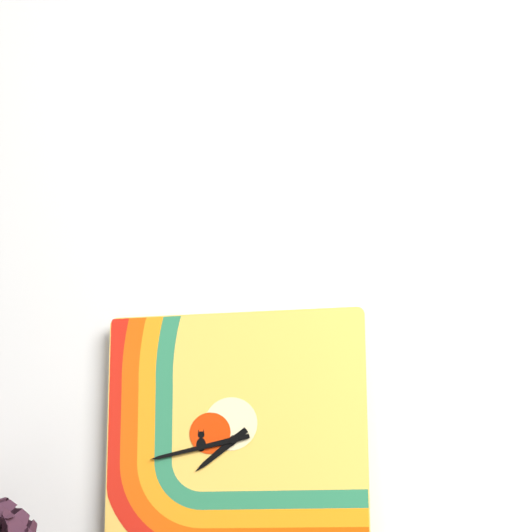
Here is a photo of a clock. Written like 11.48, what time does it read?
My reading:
7.43
